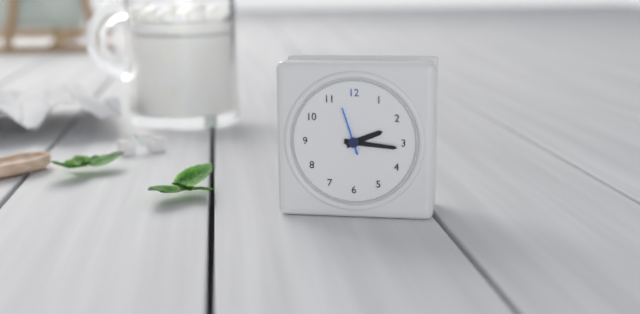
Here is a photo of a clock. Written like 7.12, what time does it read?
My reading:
2.16
